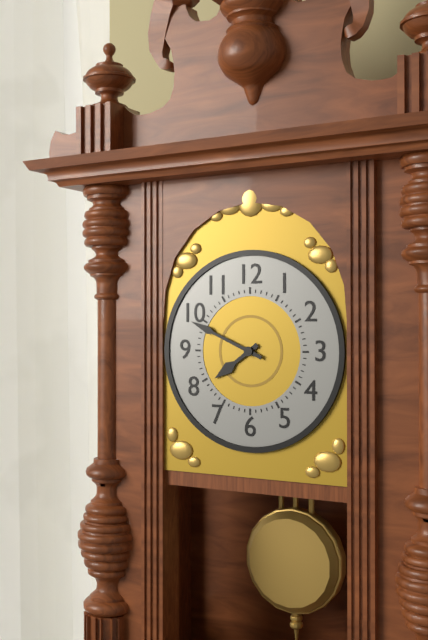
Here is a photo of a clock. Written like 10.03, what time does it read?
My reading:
7.49
